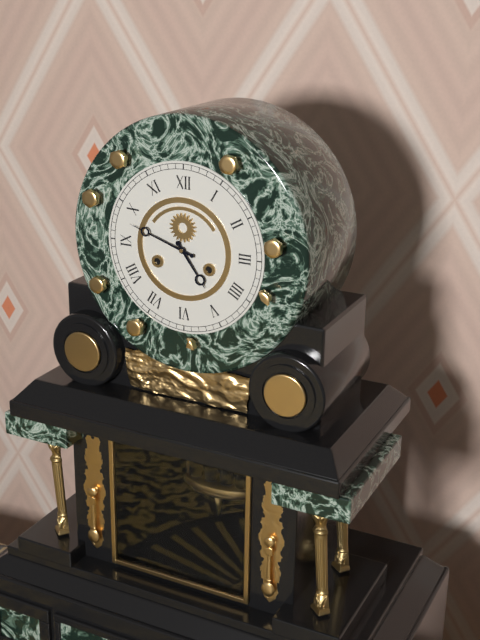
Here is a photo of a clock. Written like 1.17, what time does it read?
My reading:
4.48
